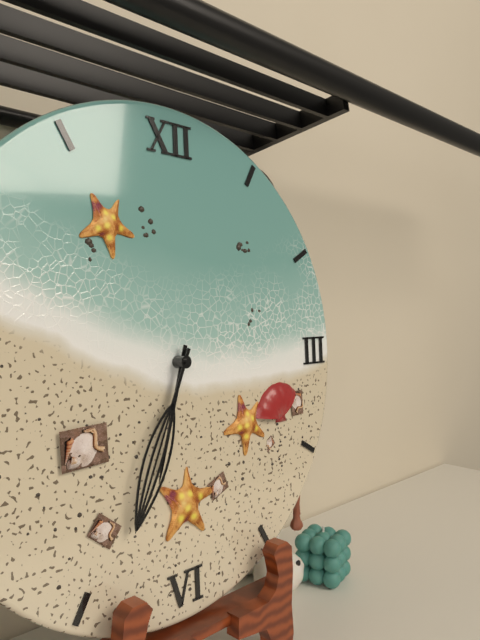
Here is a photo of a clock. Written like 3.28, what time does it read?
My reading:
6.34
